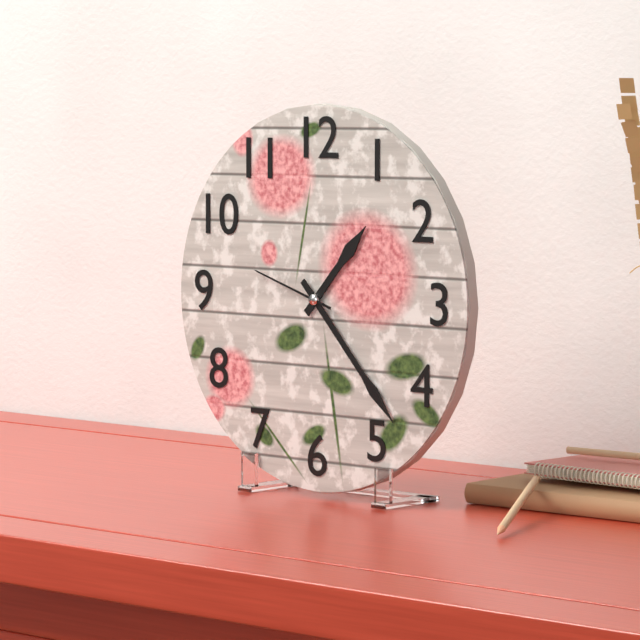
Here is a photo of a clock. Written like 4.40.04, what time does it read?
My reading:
1.23.48
